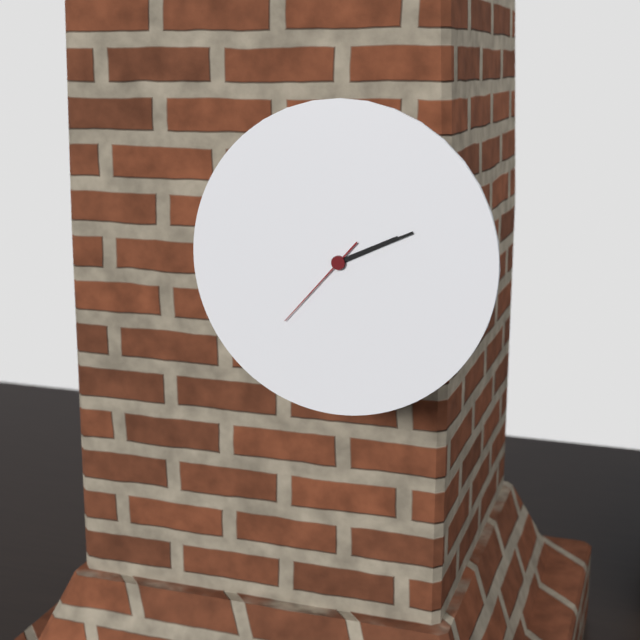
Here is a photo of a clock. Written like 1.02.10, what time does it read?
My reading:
2.11.37
